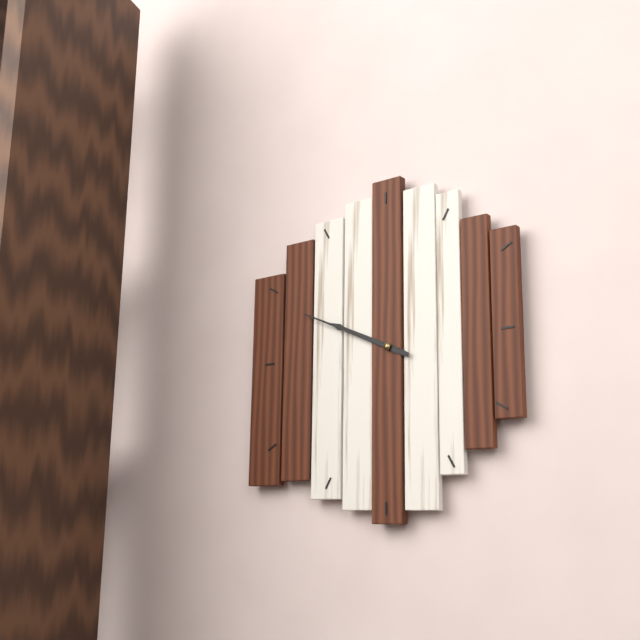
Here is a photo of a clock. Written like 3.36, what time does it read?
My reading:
9.49
